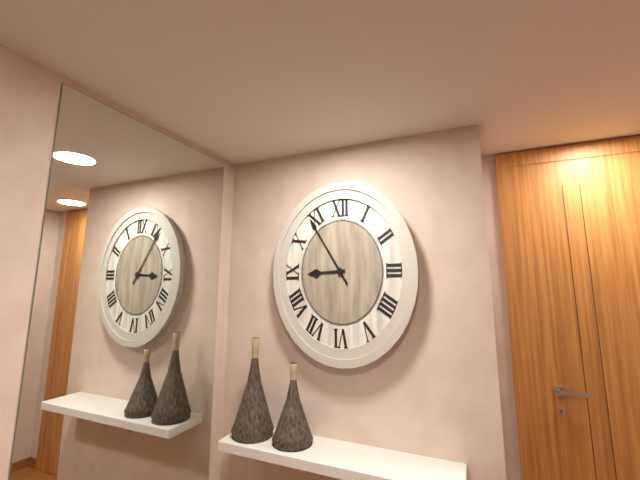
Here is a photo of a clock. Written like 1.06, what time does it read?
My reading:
8.54
